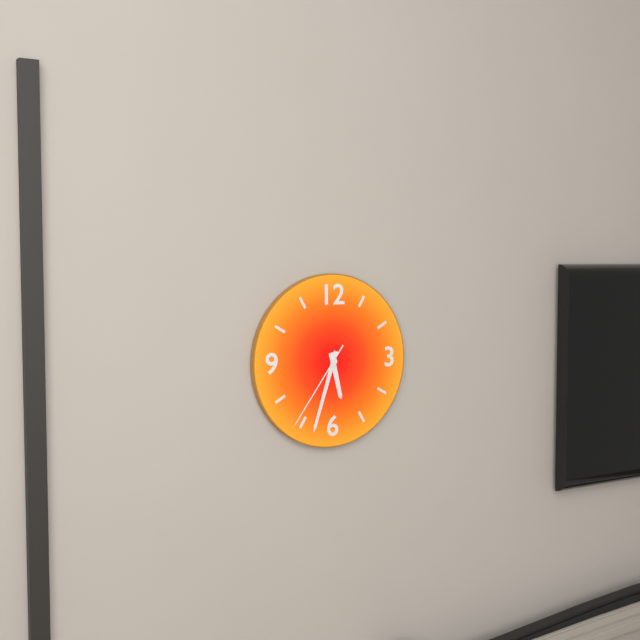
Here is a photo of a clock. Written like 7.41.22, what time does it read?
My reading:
5.33.36
